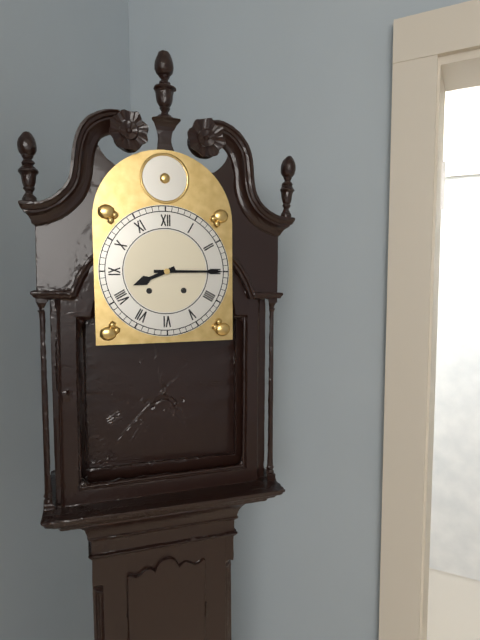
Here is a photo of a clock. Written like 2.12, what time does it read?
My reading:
8.15
